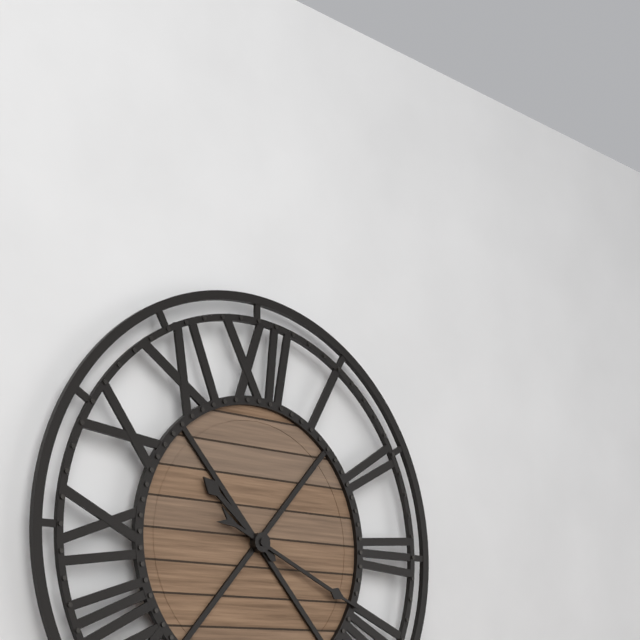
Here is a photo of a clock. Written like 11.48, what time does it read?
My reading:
10.19
